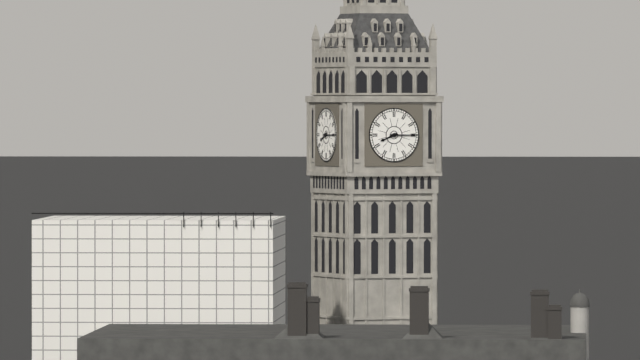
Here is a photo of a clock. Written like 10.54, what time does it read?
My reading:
8.15
